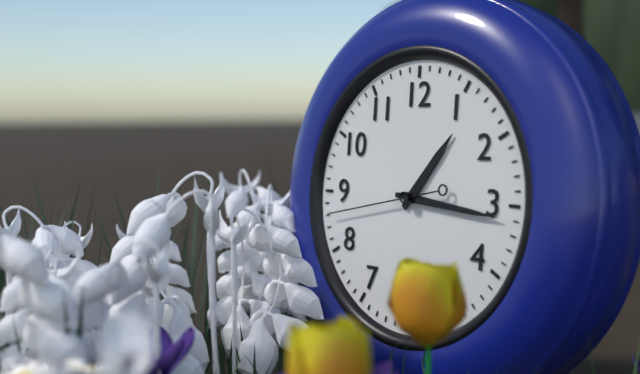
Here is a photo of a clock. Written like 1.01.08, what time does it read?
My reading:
1.16.43
